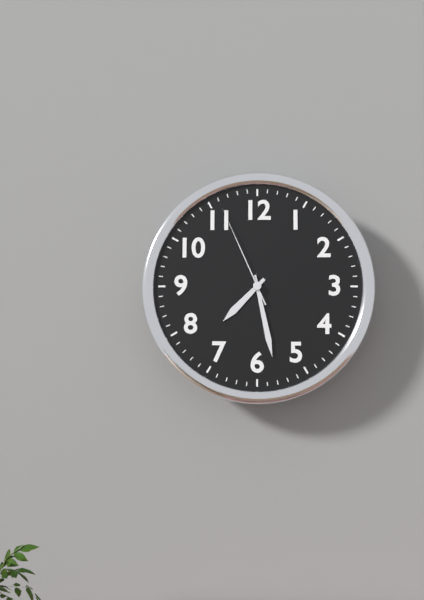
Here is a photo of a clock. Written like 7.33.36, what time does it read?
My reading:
7.28.56
